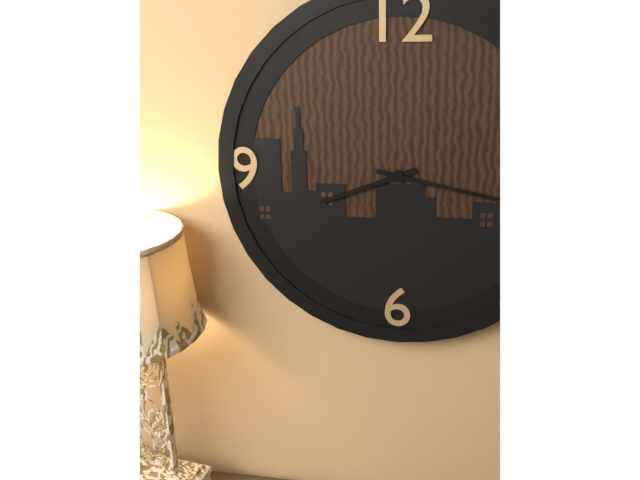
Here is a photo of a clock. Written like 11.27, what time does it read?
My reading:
8.17
